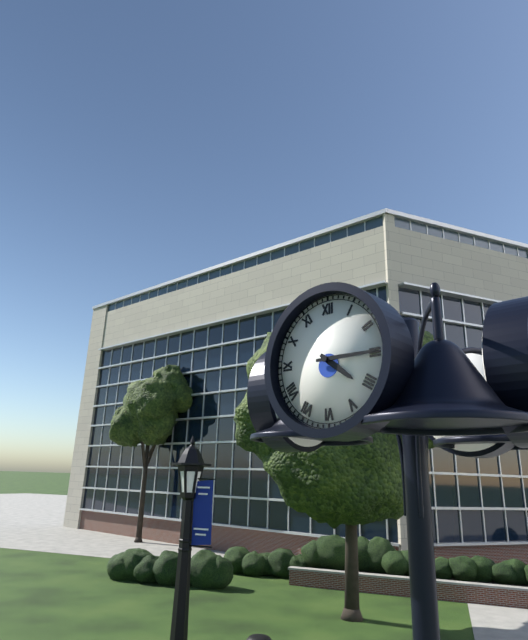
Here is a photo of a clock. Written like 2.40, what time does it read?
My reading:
4.15
